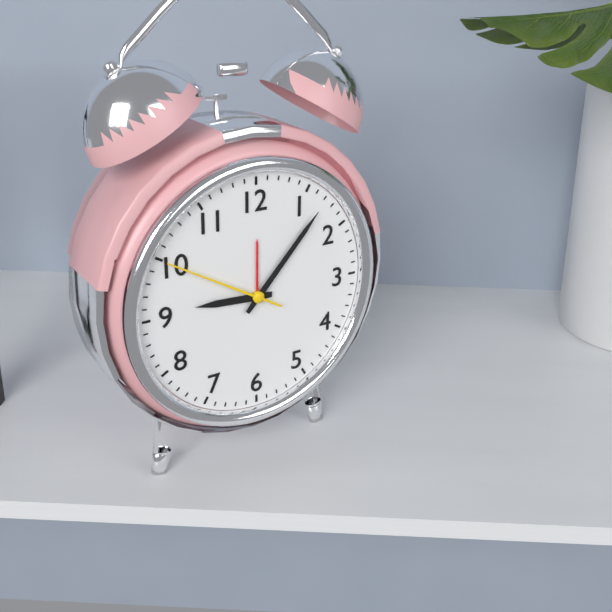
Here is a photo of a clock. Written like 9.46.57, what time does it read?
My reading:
9.07.50
